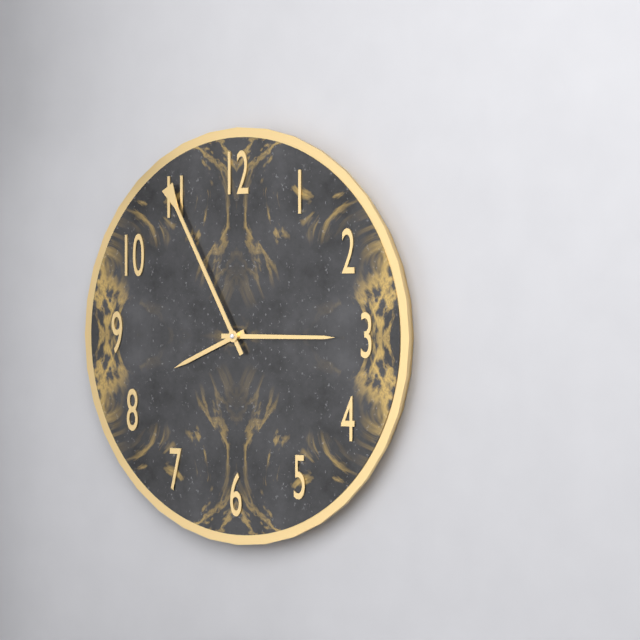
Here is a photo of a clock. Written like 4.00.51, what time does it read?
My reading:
8.15.55
